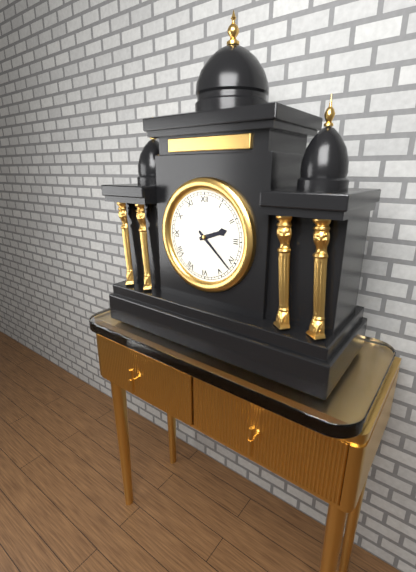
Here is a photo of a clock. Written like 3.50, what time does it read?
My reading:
2.22
